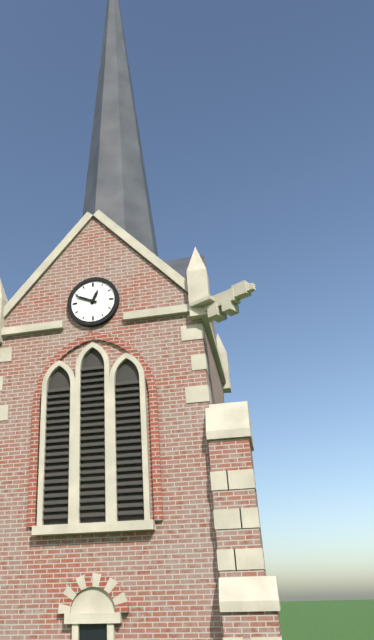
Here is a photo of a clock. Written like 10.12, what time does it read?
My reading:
12.49
